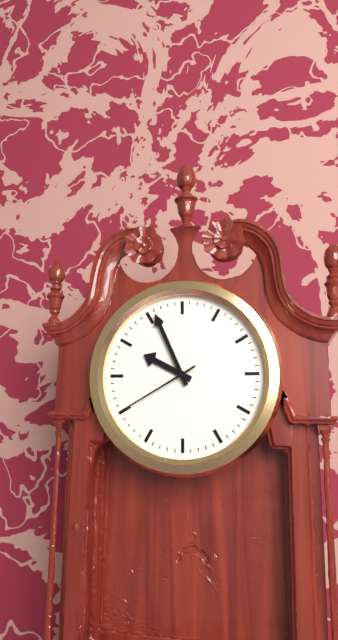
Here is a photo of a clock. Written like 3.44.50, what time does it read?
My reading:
9.56.40
